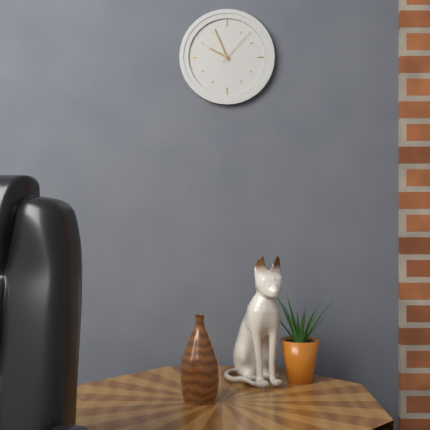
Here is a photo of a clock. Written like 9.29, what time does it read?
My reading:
9.56
